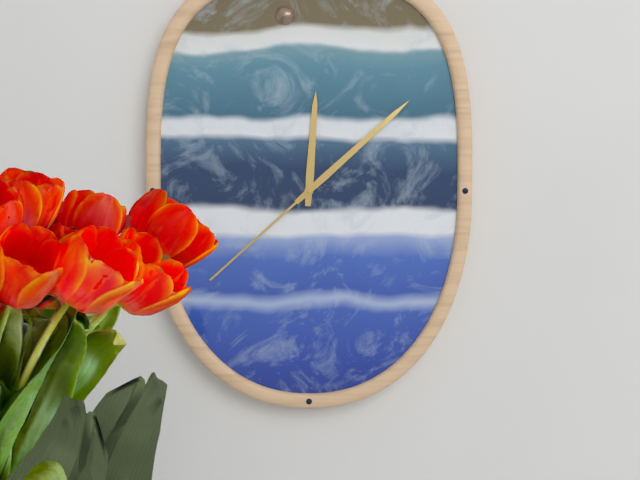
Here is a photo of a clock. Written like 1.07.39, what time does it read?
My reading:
12.08.38
